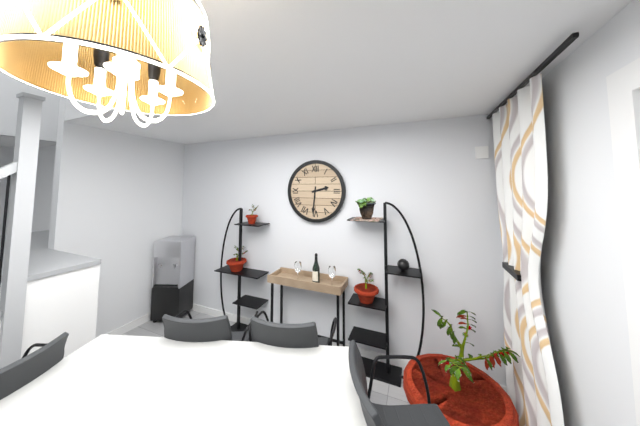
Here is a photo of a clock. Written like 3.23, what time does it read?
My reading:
2.31
